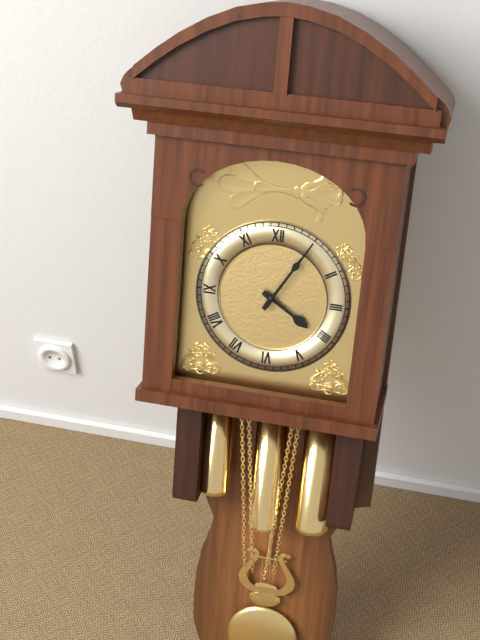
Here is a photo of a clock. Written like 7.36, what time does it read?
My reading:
4.05
